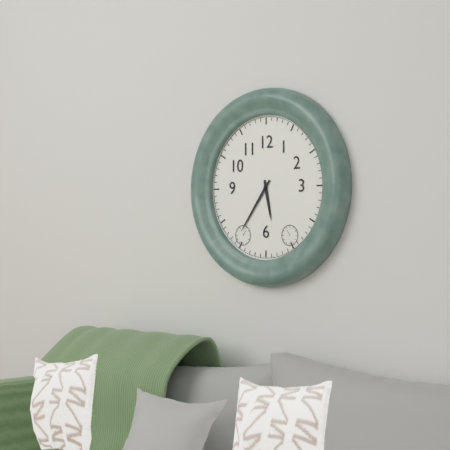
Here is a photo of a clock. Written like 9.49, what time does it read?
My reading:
5.36
